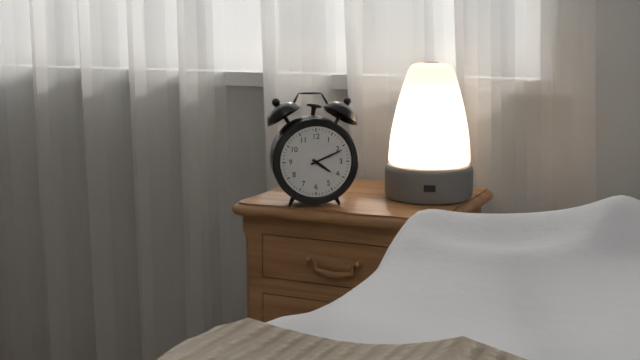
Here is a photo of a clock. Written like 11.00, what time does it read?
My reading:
4.11
